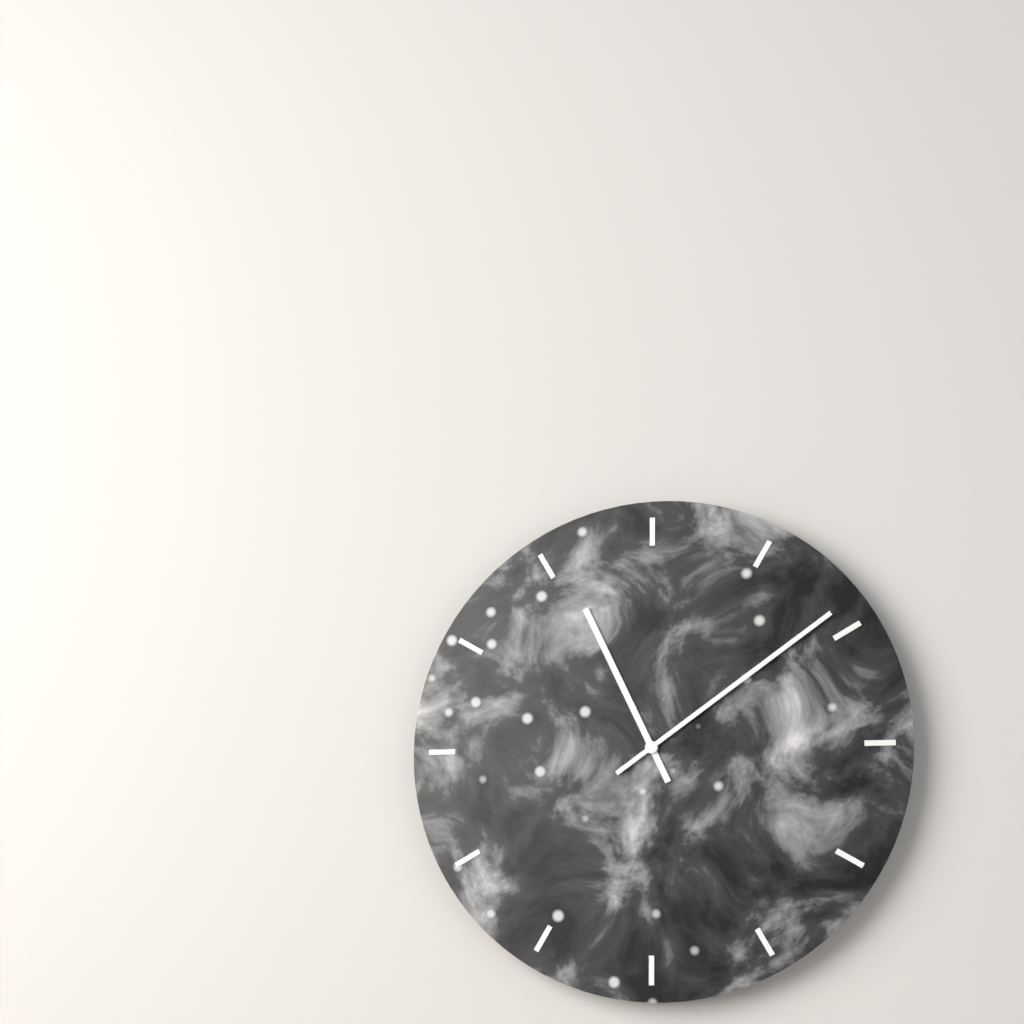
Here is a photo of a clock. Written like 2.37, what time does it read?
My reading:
11.09
